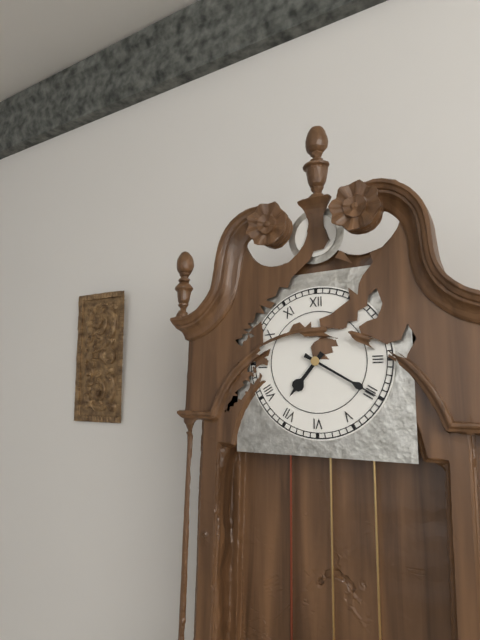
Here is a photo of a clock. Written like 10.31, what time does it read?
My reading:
7.20
